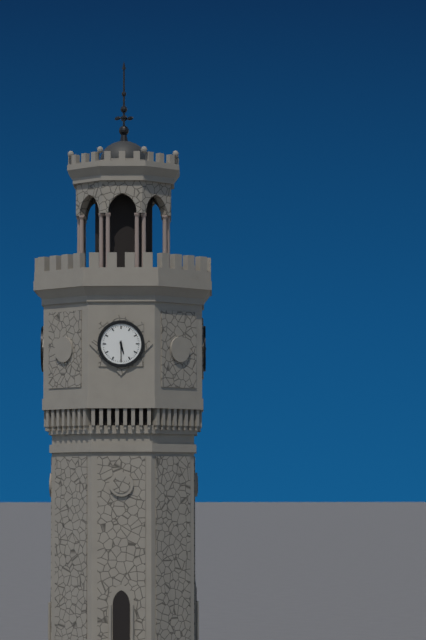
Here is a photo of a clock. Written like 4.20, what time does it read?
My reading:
5.30
